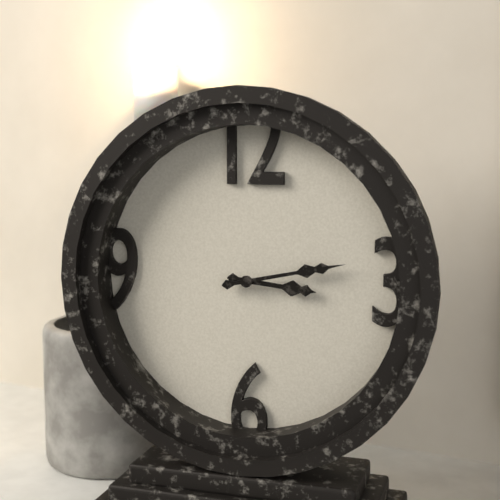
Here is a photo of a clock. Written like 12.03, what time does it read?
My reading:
3.13
